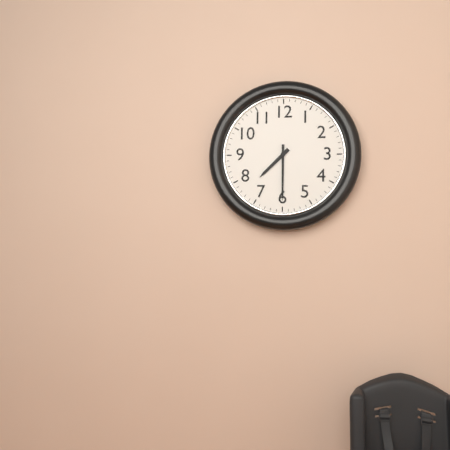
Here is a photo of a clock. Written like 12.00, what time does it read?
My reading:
7.30
